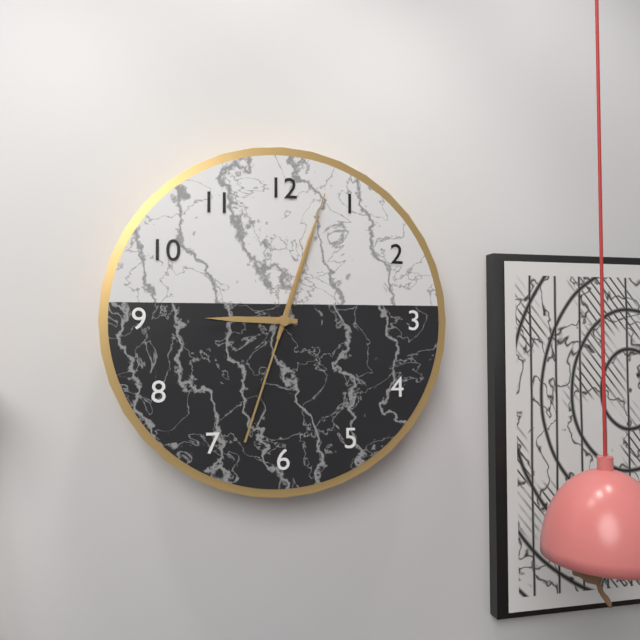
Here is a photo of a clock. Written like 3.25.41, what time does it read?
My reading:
9.03.03
